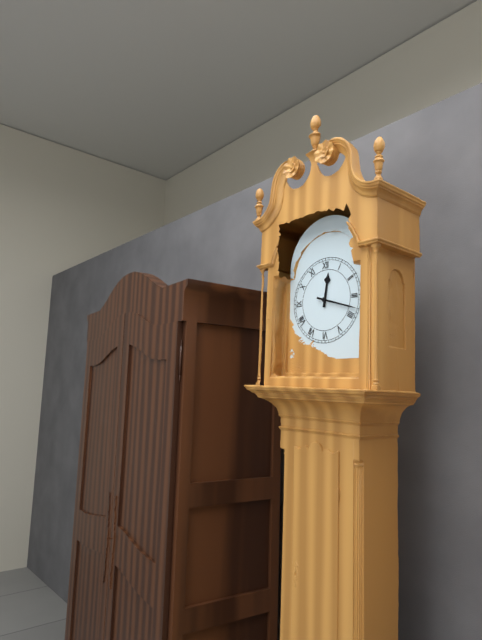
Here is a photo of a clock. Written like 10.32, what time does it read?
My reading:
12.18
